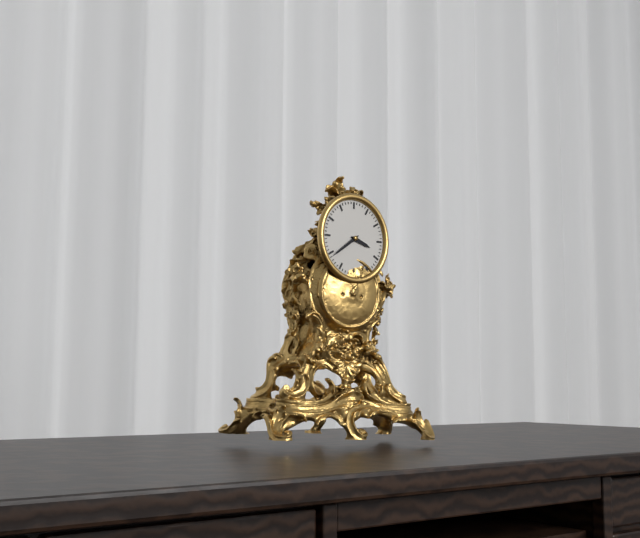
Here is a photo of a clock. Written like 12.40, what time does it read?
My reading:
3.39
